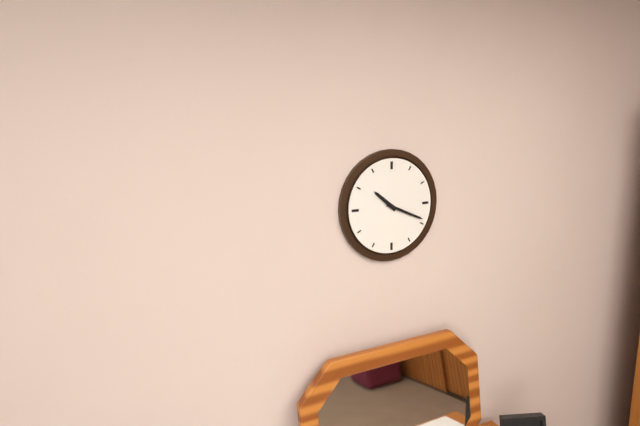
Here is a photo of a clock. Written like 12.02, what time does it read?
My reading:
10.19
